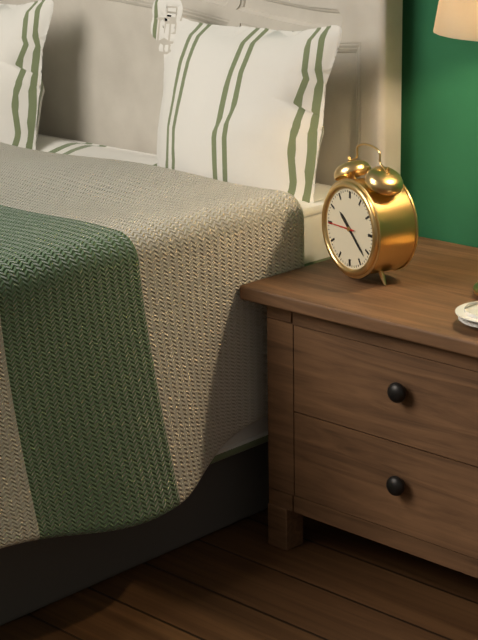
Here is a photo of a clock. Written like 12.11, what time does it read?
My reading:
10.22
